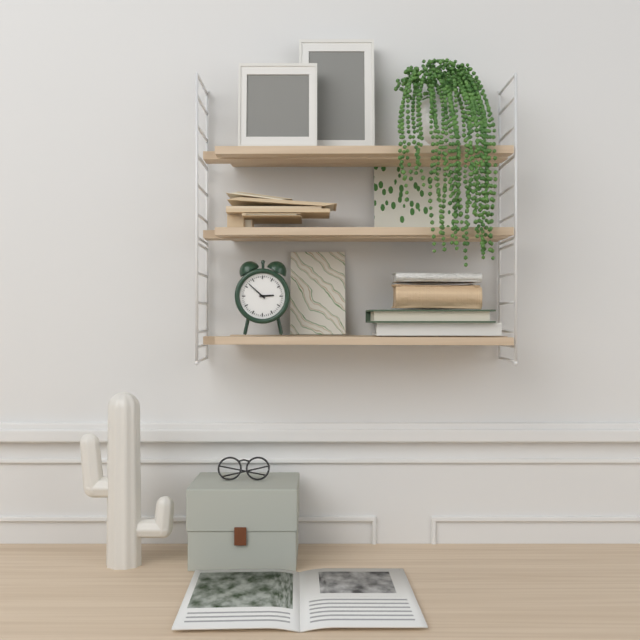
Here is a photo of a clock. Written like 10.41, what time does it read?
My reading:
2.52
